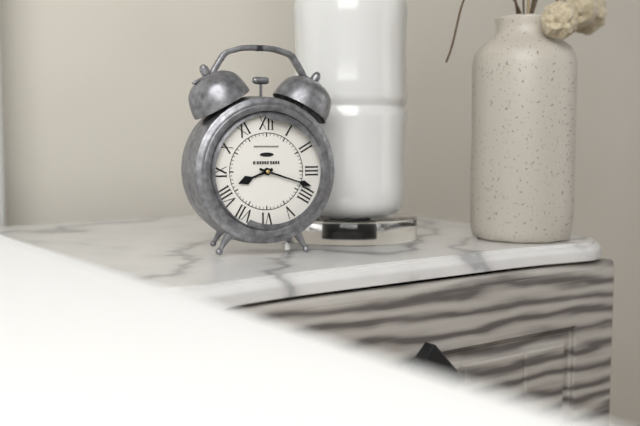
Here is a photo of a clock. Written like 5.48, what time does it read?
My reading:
8.18
